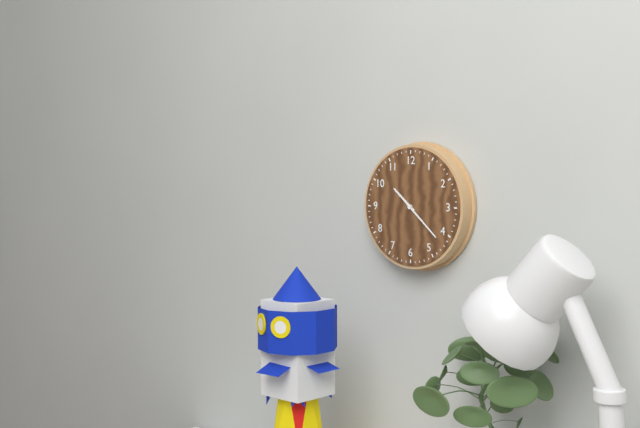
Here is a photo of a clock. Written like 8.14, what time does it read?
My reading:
10.22
